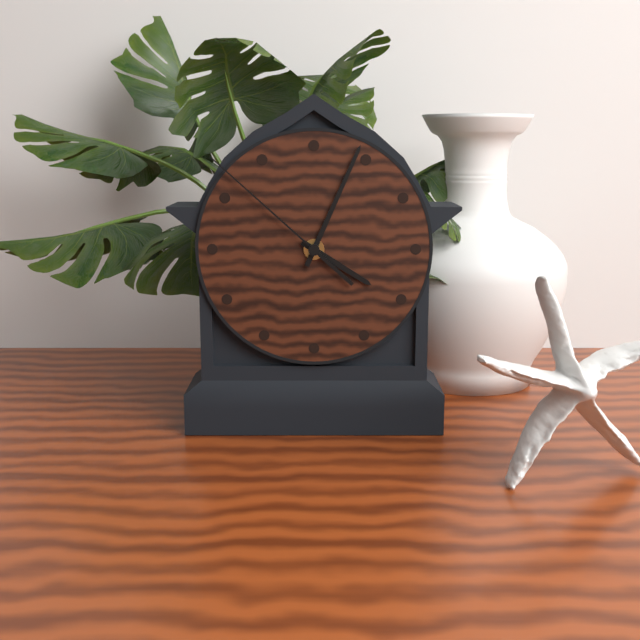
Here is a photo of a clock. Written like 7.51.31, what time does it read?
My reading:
4.04.52
